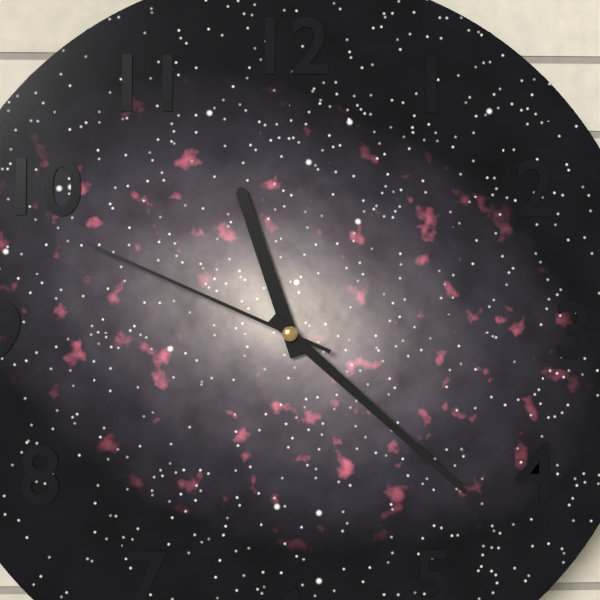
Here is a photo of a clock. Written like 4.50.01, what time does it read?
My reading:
11.22.49
